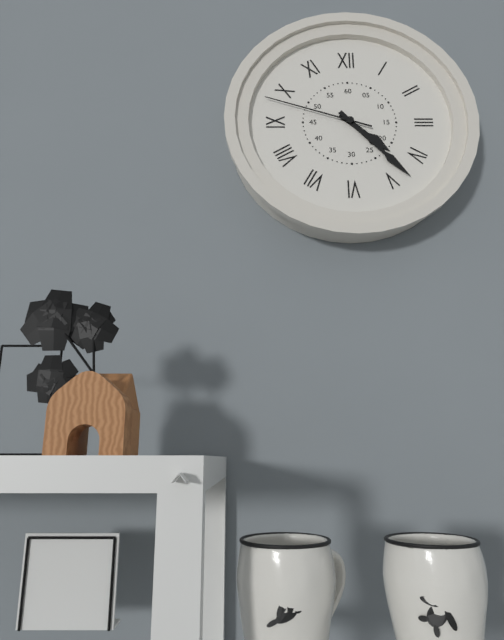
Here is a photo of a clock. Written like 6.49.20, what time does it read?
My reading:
4.23.48
